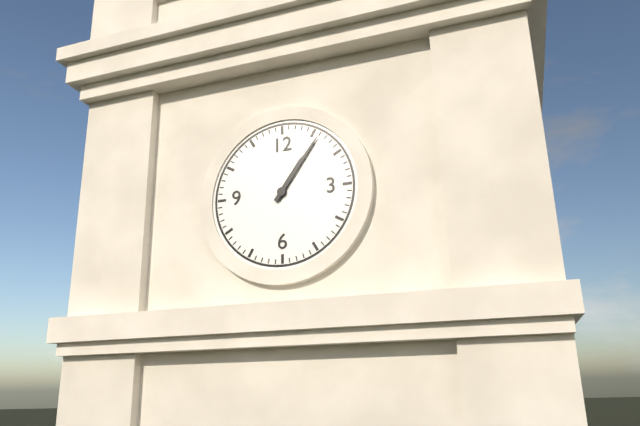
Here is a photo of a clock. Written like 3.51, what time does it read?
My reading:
1.06
